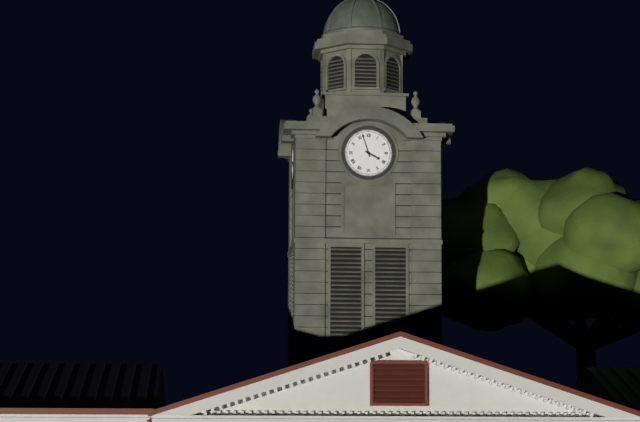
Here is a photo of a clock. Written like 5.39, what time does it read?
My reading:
3.57
